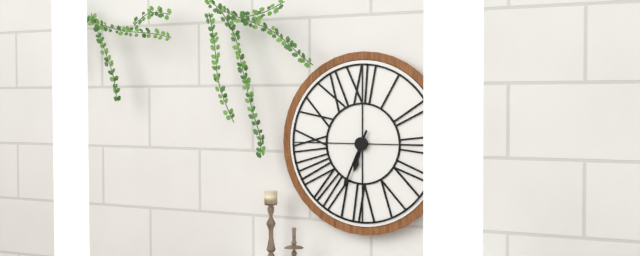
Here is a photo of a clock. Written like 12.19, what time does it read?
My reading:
6.34
